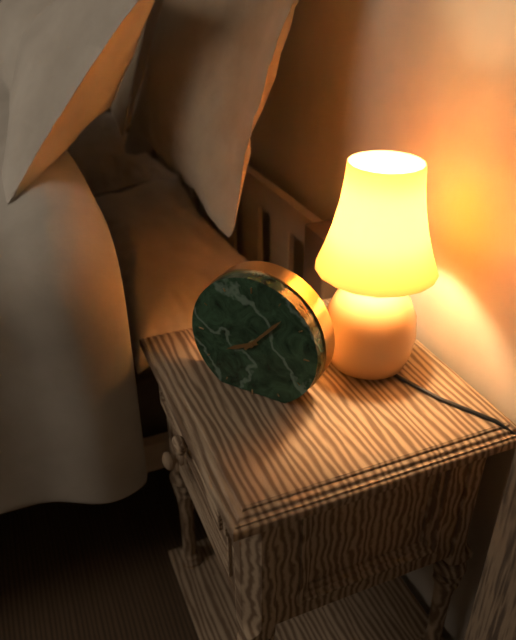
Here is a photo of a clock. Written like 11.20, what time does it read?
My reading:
8.07
